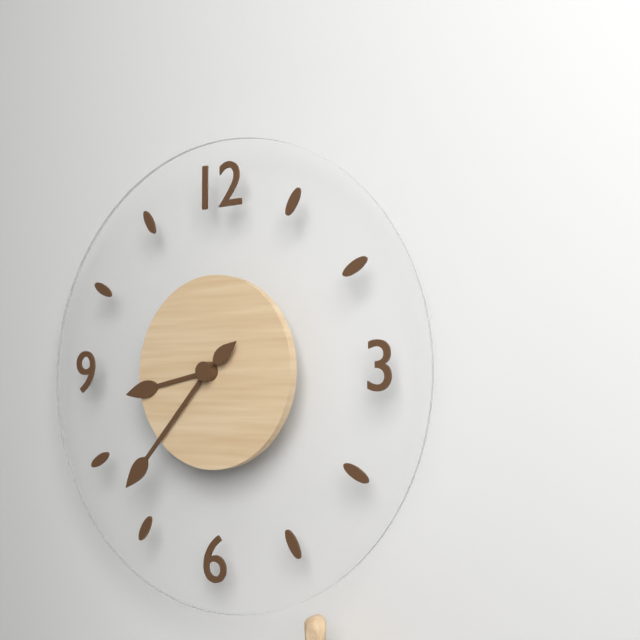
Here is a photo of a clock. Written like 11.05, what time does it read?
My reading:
8.37
